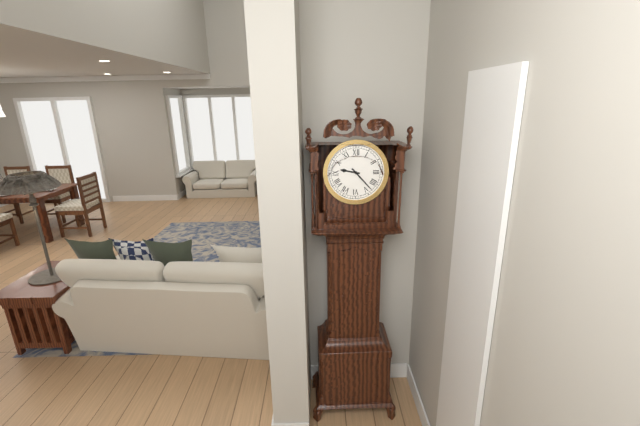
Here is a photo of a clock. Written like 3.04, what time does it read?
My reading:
9.23
